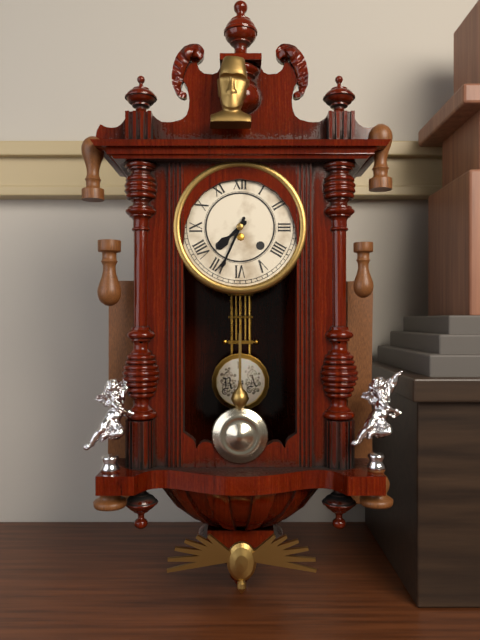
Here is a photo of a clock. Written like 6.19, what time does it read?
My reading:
7.34
